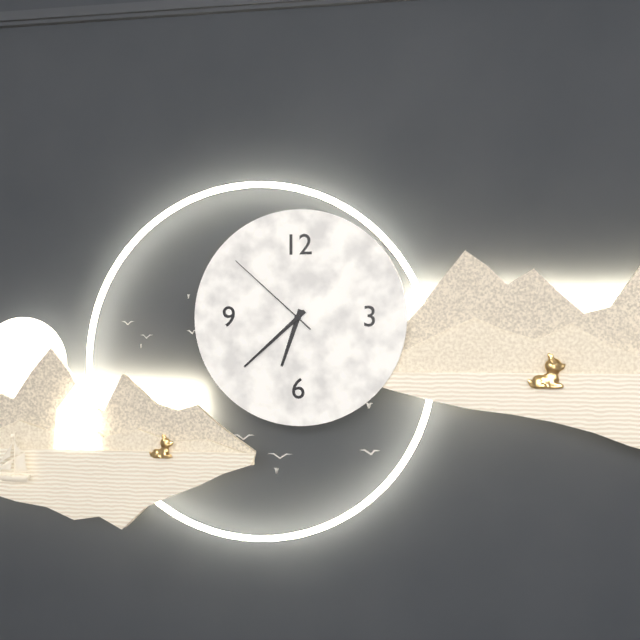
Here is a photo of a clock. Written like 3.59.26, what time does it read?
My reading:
6.38.52
